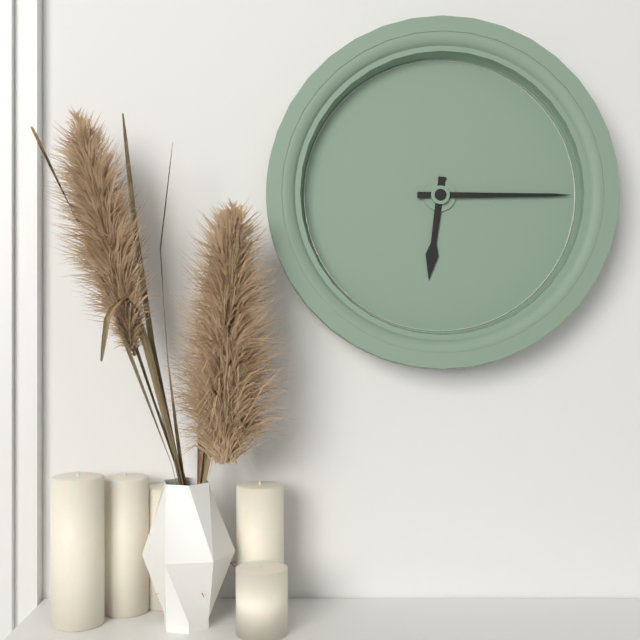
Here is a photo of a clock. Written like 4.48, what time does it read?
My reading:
6.15
